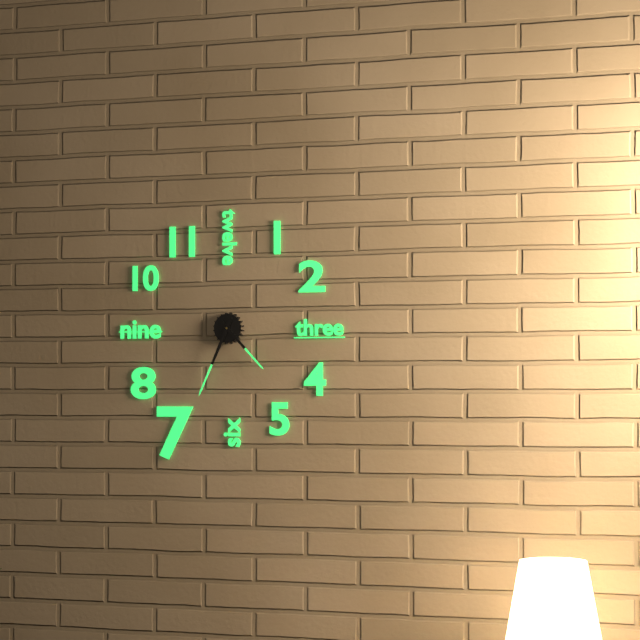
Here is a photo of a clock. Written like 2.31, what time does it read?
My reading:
4.34
